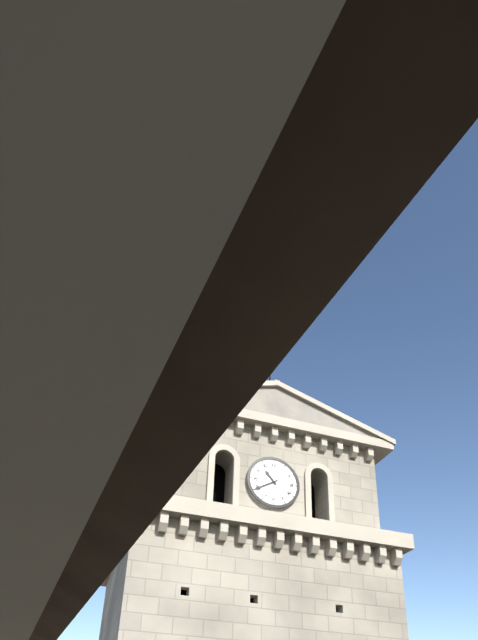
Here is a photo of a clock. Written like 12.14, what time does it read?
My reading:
10.40
